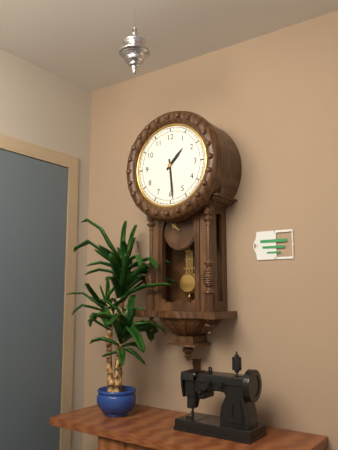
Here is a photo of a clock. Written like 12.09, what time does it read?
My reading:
1.29
